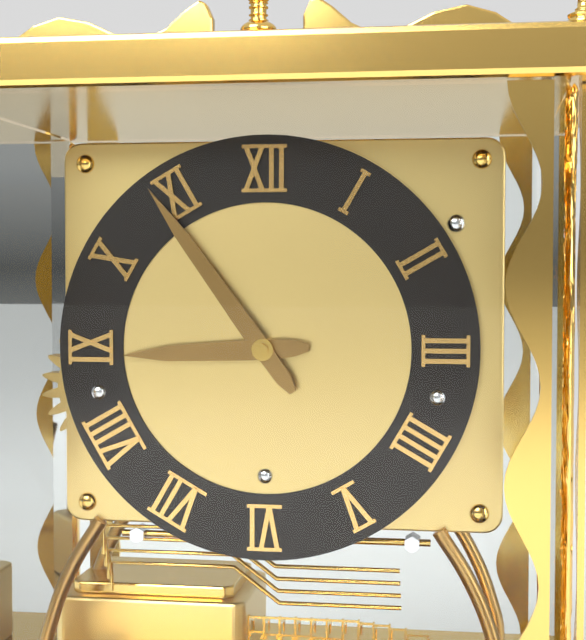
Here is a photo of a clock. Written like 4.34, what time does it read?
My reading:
8.54
